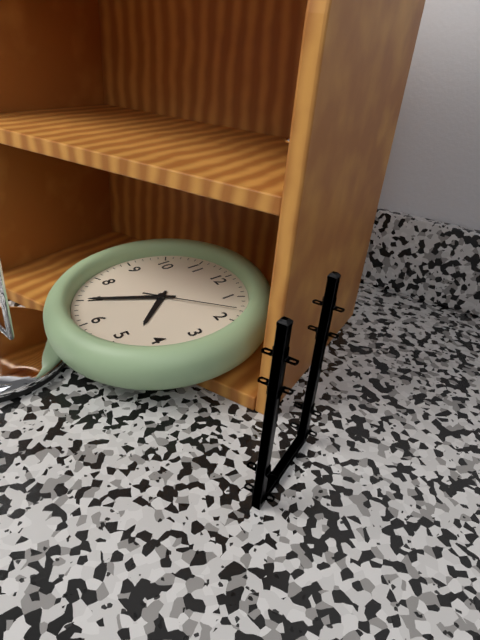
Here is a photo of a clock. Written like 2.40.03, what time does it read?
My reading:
4.35.08
